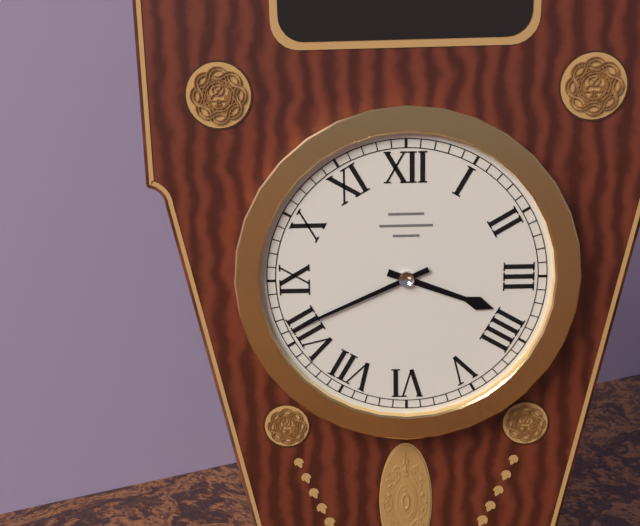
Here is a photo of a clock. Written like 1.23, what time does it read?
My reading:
3.41
